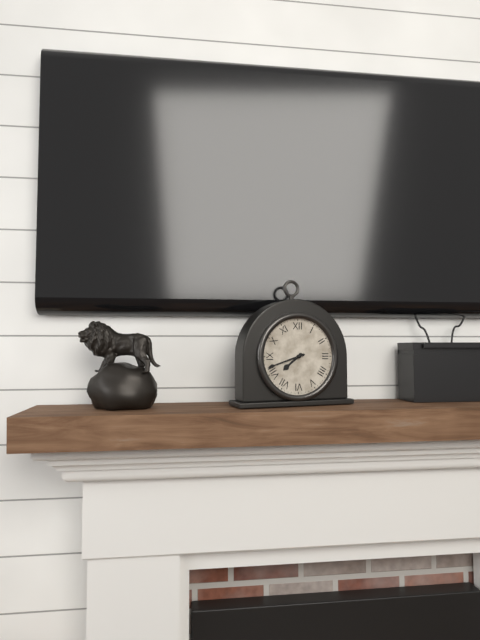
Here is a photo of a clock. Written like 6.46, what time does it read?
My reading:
7.42
